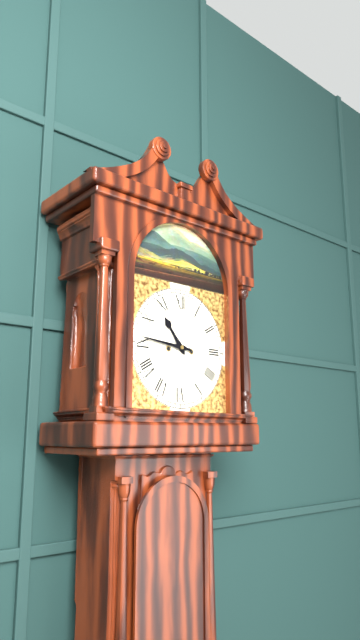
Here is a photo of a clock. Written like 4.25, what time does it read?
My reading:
10.46
